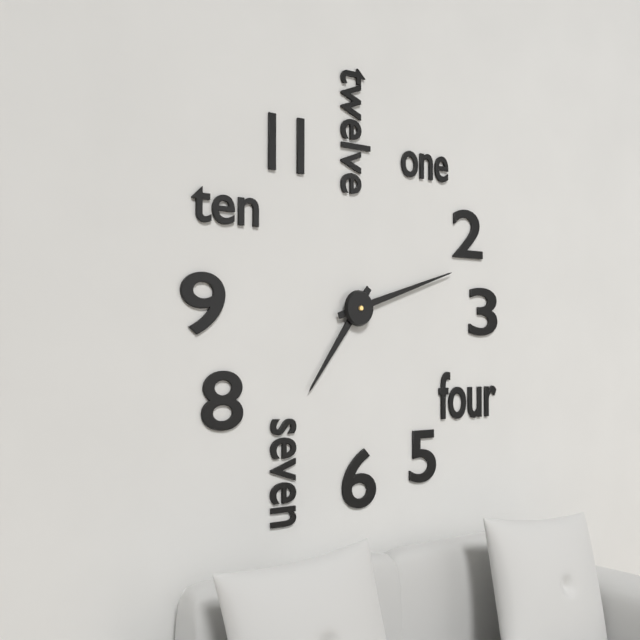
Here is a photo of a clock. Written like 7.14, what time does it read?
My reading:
7.12
